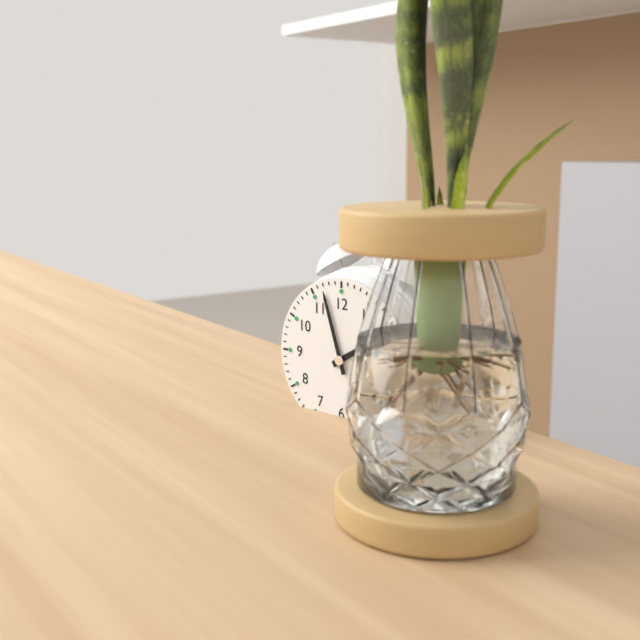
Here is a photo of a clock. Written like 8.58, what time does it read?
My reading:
1.57
